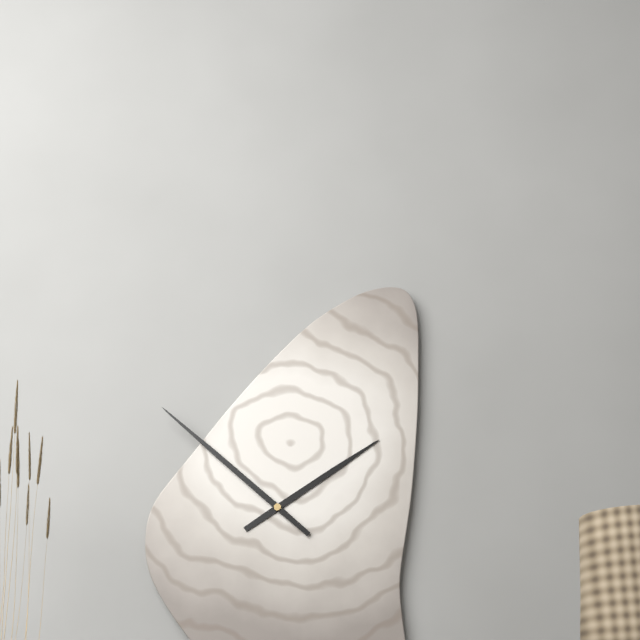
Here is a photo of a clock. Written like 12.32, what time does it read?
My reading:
1.52
